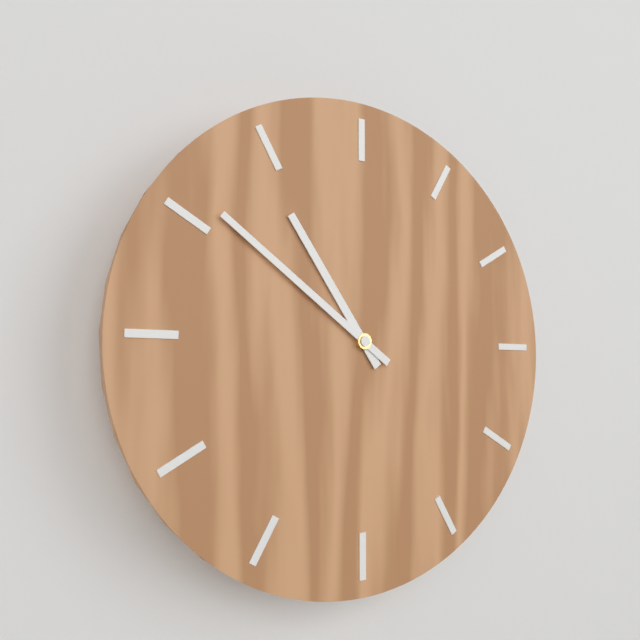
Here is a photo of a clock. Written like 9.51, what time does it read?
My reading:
10.51
